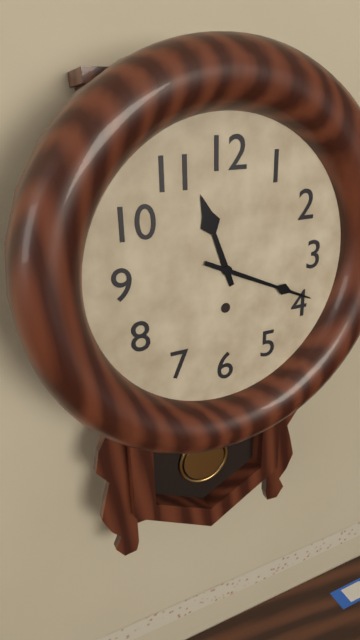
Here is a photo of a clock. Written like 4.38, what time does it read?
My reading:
11.19
